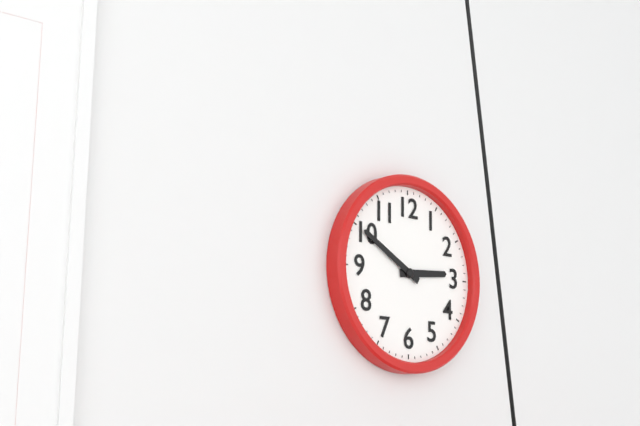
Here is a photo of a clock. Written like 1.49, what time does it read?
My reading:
2.50
